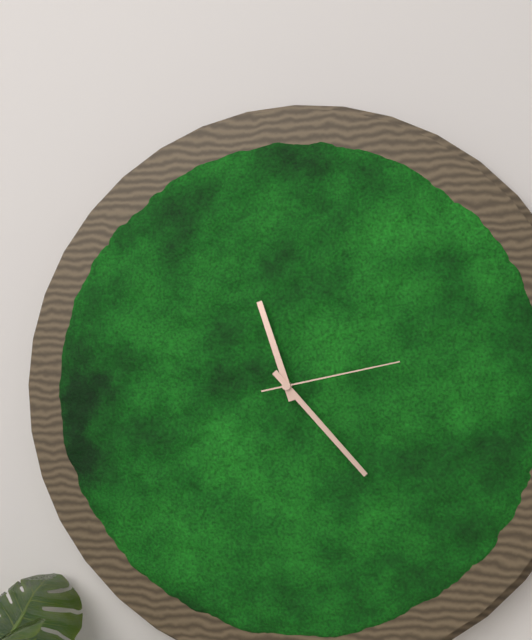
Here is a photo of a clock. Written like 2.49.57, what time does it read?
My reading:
11.23.13
